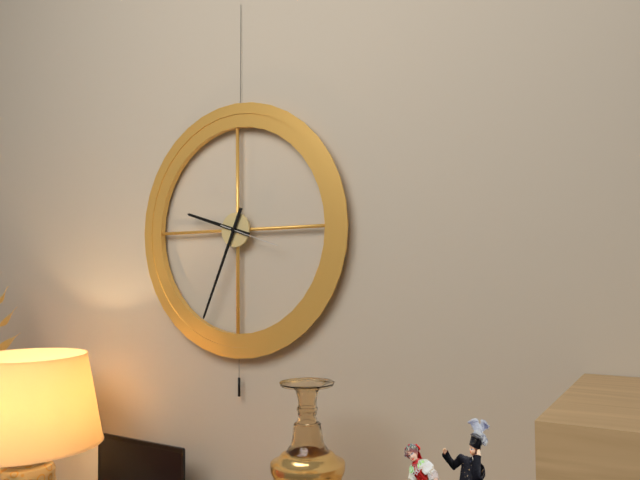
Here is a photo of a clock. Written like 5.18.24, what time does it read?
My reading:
9.34.18
